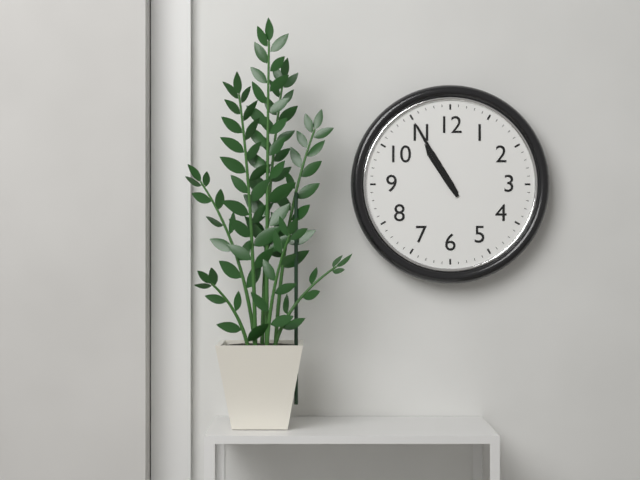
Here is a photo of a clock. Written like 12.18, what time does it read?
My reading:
10.55
